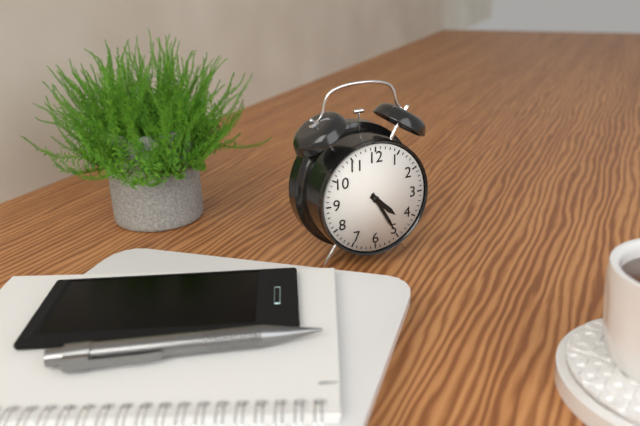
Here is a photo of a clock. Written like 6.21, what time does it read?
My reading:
4.25
